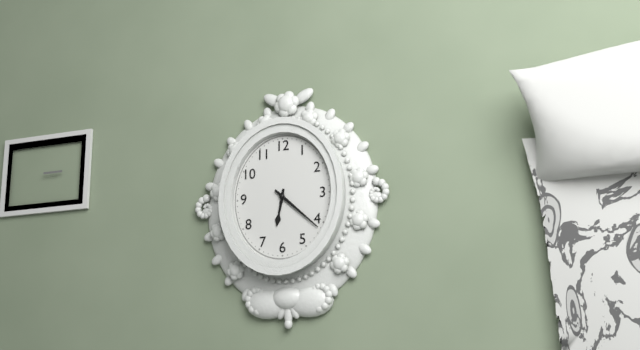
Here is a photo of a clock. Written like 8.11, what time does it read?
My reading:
6.22
